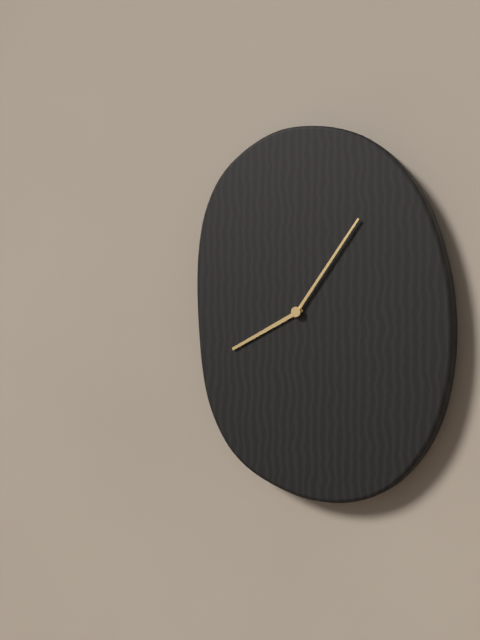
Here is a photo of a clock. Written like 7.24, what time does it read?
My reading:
8.06
